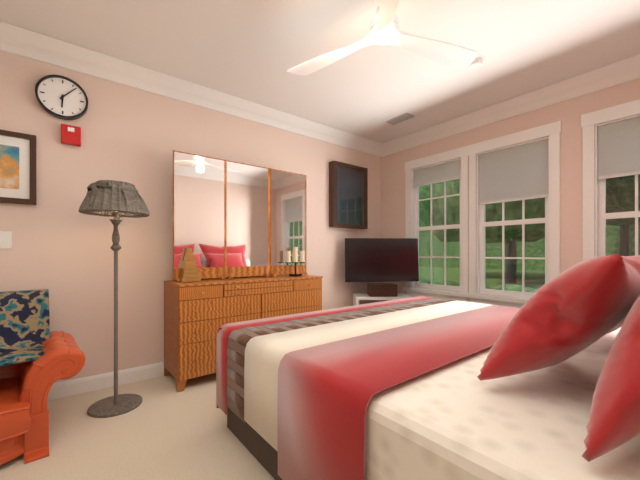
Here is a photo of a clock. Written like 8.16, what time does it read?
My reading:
6.07
